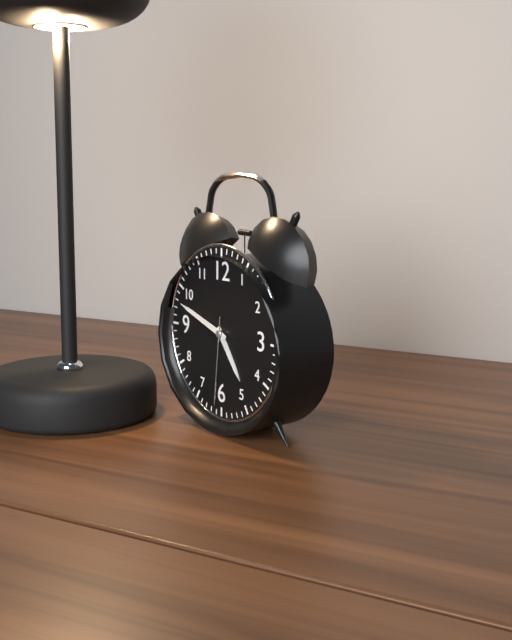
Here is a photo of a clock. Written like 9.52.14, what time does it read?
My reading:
4.48.31
